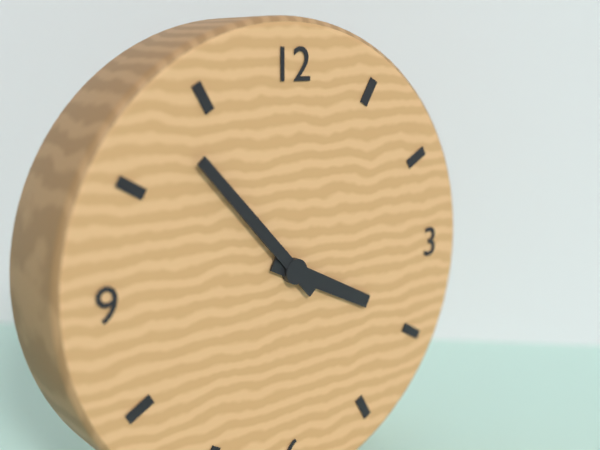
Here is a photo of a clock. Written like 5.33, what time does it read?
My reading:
3.53
